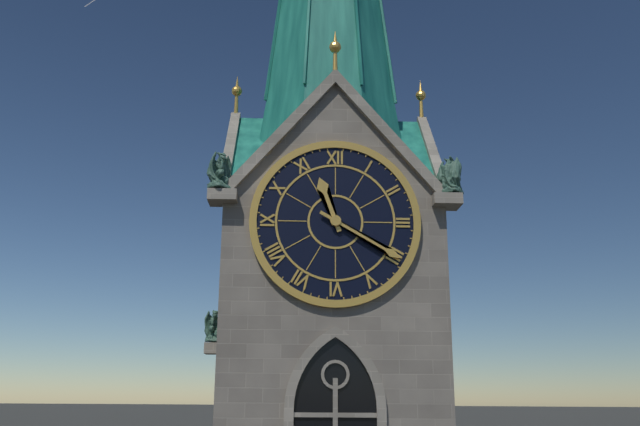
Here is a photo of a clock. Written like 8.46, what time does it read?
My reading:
11.20
